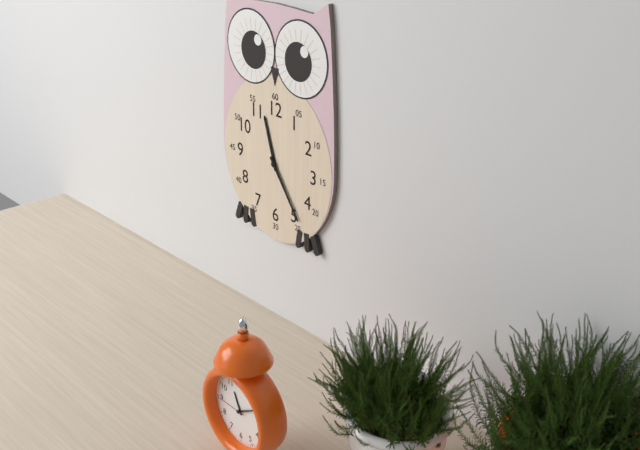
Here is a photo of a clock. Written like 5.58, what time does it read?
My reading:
11.24
